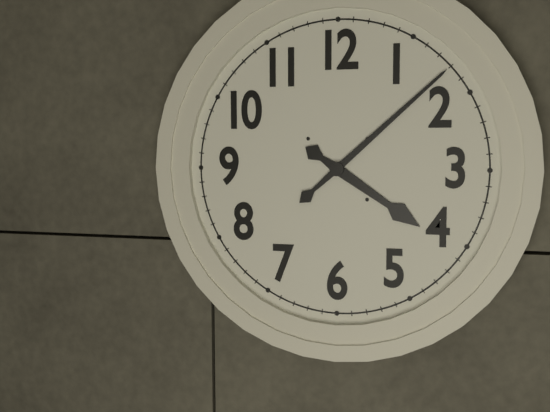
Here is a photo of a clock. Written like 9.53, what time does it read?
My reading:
4.08
